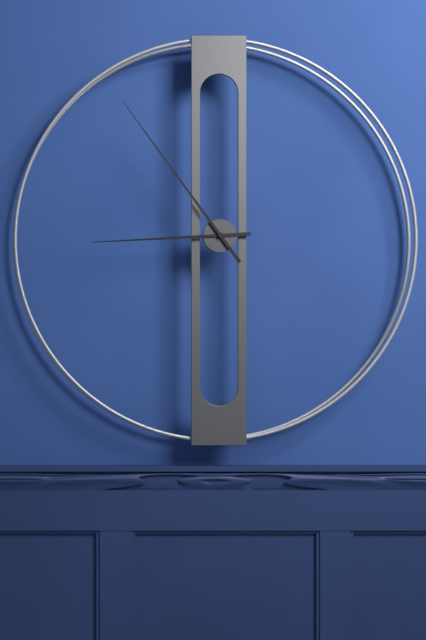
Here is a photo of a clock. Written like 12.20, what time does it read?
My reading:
8.54
